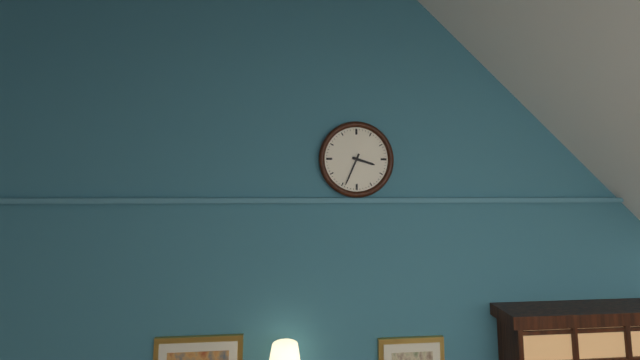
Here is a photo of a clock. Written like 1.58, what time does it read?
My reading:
3.34
